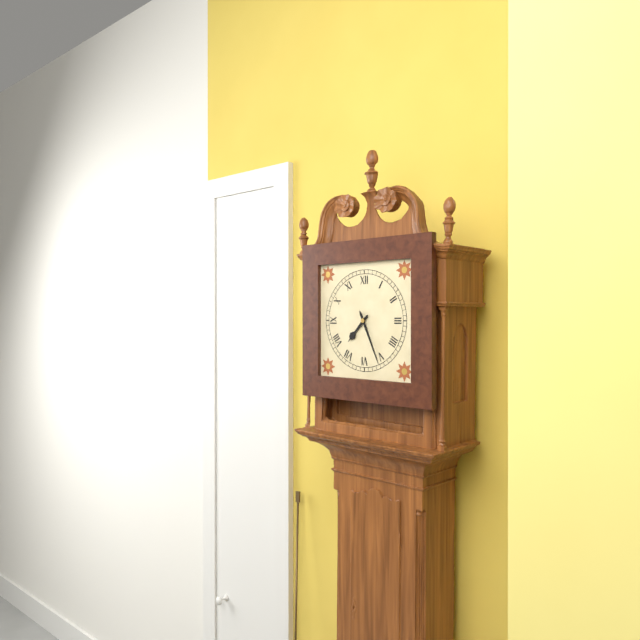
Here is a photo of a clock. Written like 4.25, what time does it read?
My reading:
7.26
